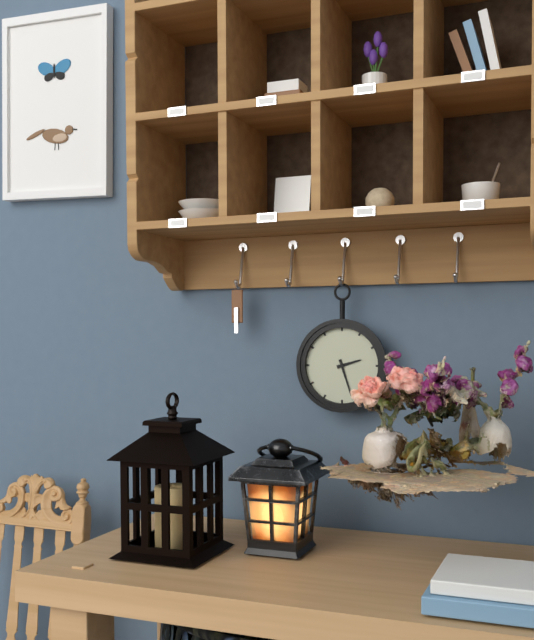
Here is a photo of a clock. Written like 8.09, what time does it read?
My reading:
2.27
